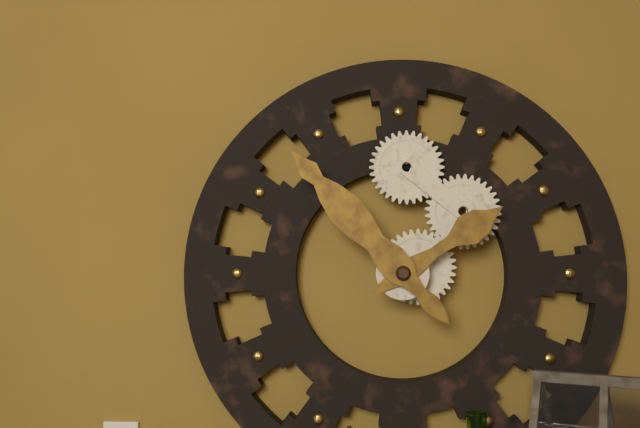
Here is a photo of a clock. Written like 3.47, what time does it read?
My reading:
1.53
